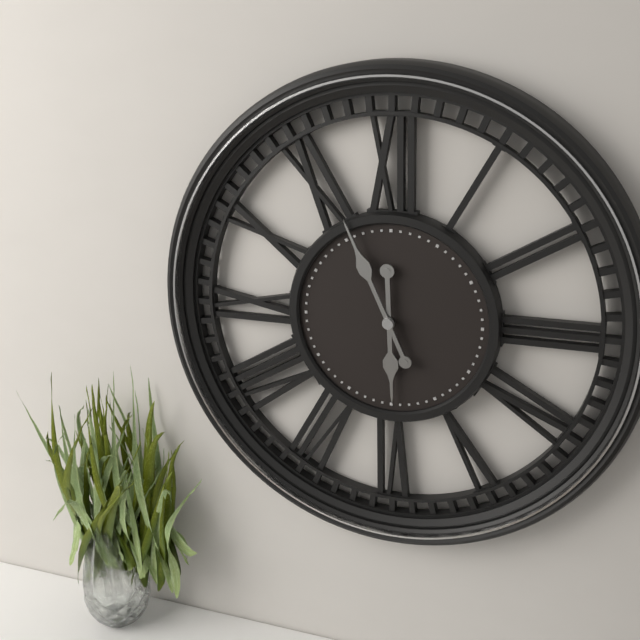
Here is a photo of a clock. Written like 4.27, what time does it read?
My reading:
5.56
